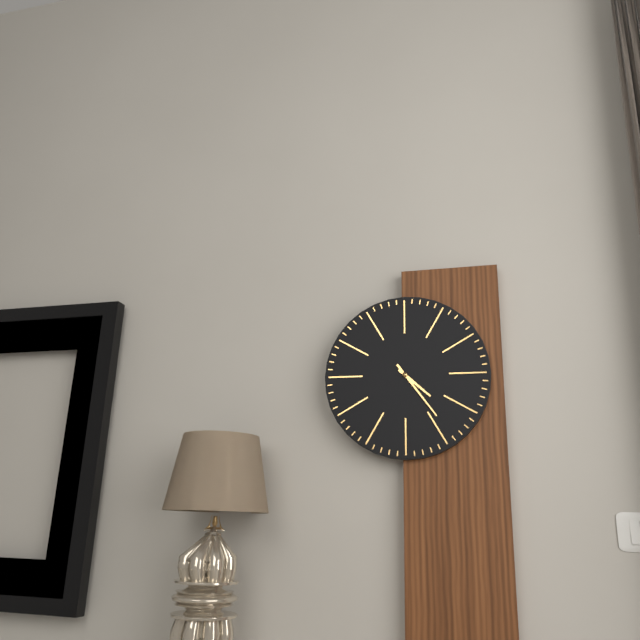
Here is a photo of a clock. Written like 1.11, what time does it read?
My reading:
4.24
